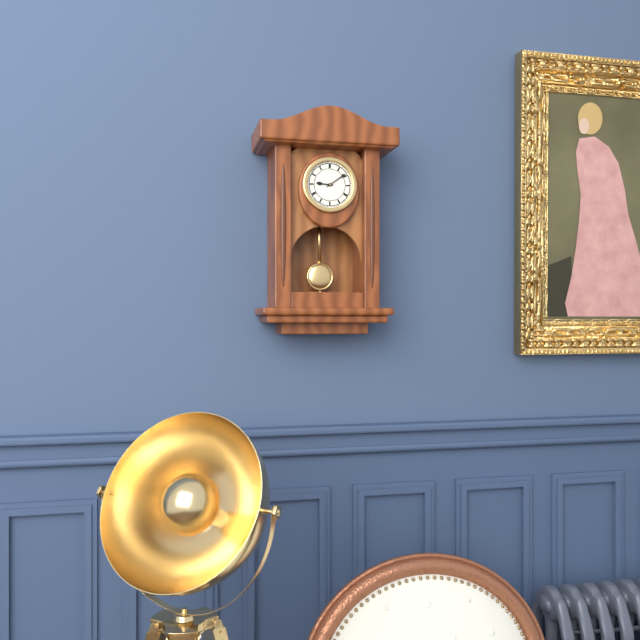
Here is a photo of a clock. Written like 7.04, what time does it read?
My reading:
9.09
